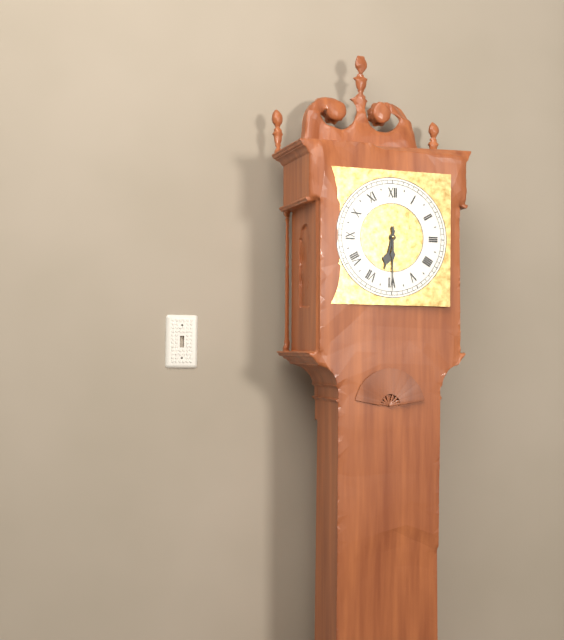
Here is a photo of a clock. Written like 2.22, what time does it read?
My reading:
6.30
